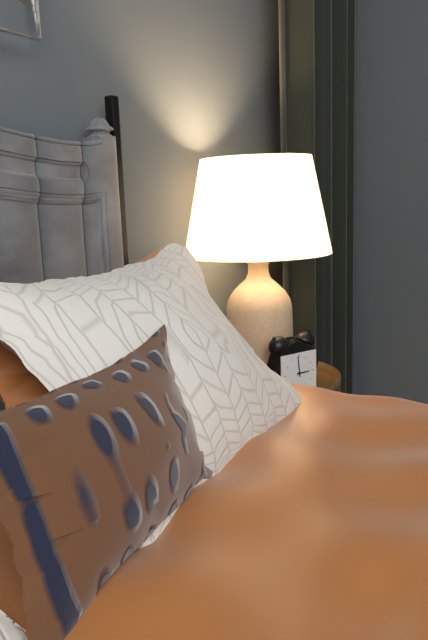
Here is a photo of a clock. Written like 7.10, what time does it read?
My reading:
2.59
